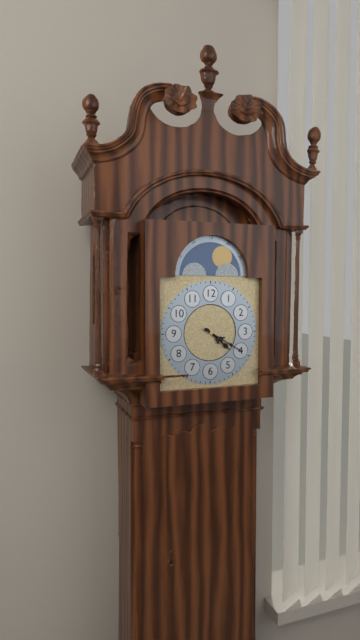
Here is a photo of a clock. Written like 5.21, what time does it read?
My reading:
4.20
